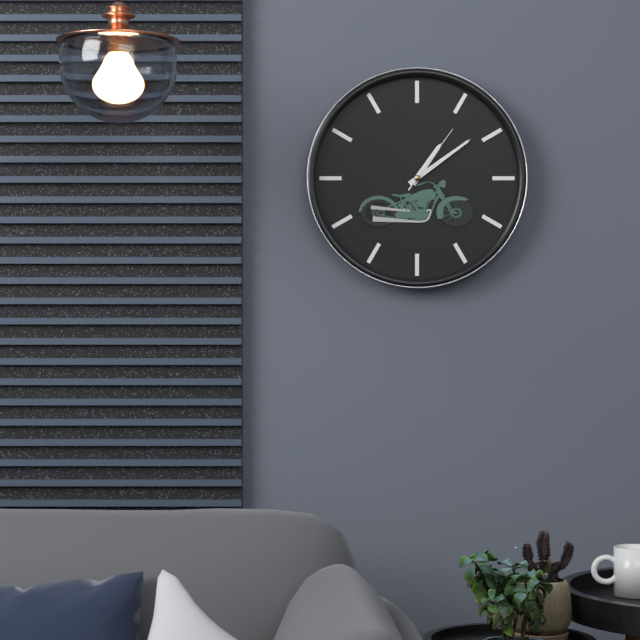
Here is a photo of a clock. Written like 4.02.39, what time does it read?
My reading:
1.09.06
